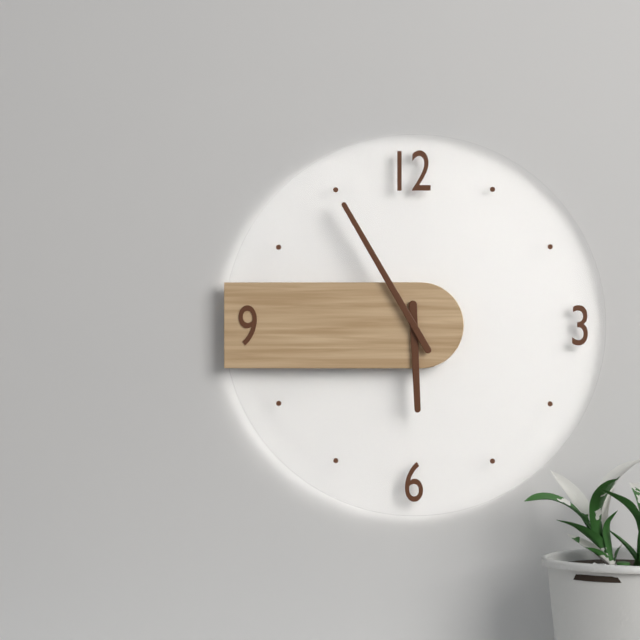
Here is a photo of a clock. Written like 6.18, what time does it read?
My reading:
5.55
